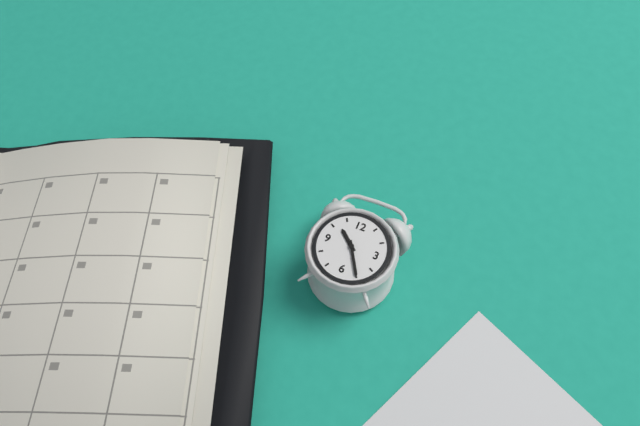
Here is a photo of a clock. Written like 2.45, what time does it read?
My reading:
10.25
